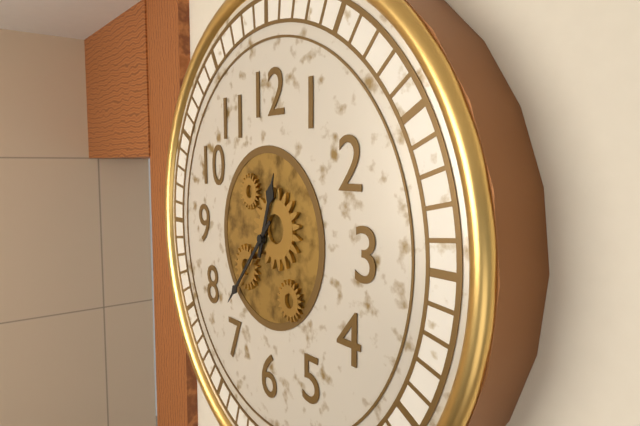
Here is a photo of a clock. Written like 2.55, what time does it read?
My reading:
12.37
